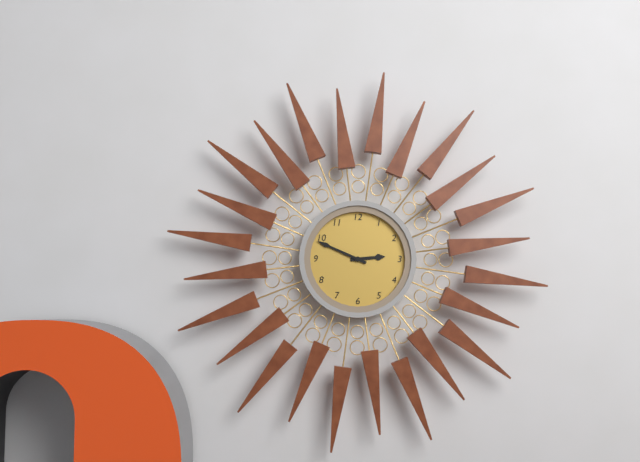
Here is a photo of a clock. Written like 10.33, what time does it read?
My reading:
2.49
